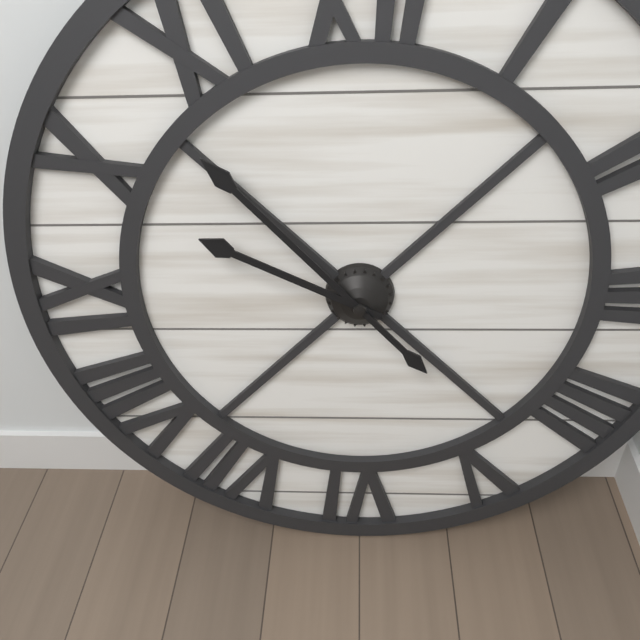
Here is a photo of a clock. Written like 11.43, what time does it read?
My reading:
9.53
